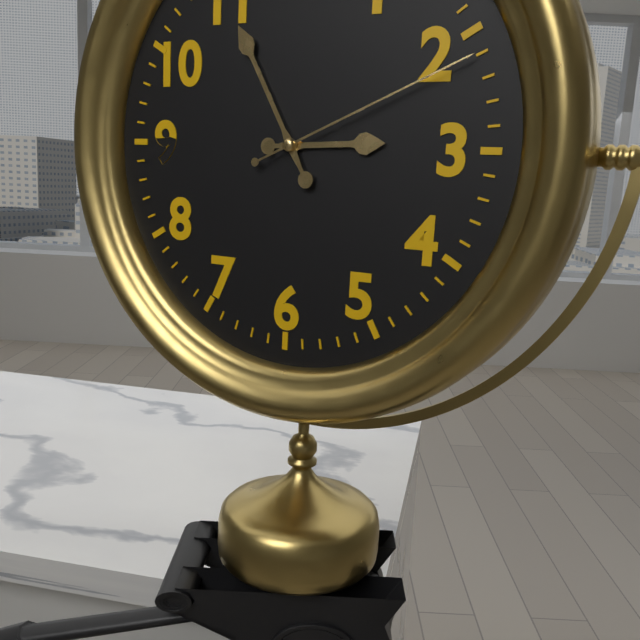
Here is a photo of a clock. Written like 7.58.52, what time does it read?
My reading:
2.55.11
